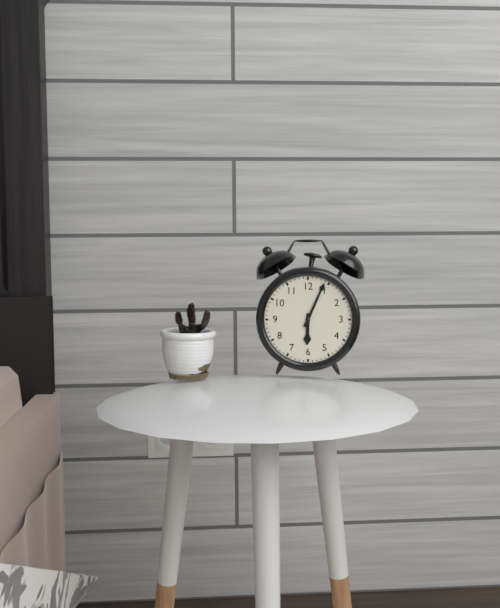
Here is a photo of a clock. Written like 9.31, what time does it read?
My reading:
6.04
